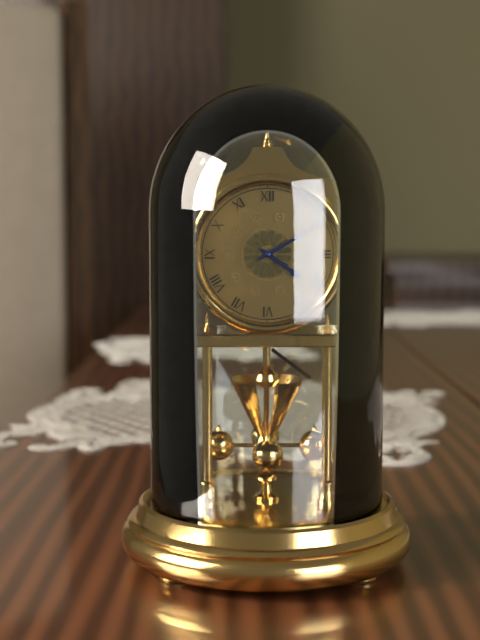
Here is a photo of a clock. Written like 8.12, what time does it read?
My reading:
4.10
